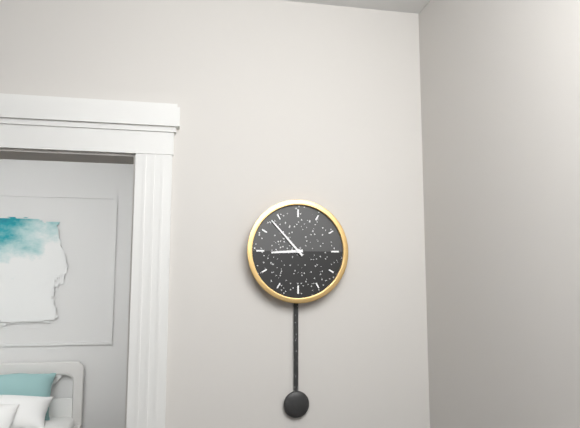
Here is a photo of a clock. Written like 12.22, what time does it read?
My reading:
8.53
